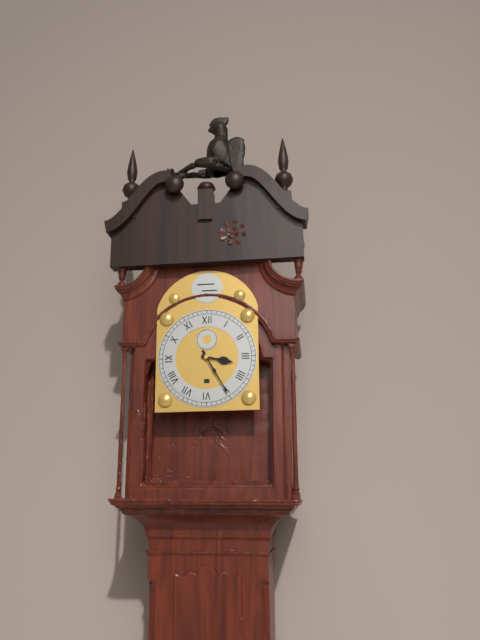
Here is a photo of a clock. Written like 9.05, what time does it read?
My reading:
3.25
